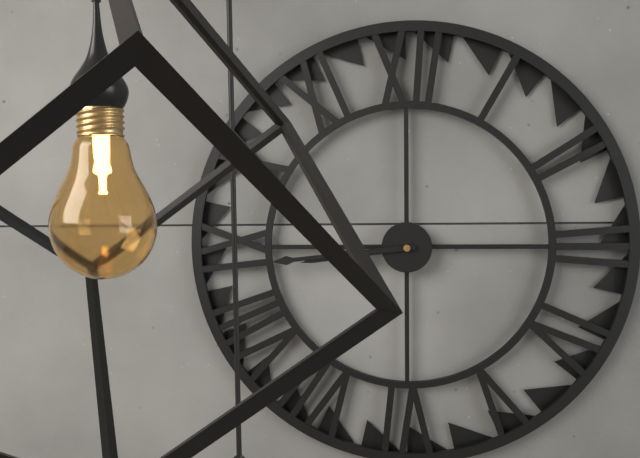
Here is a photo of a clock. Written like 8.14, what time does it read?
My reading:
8.44
